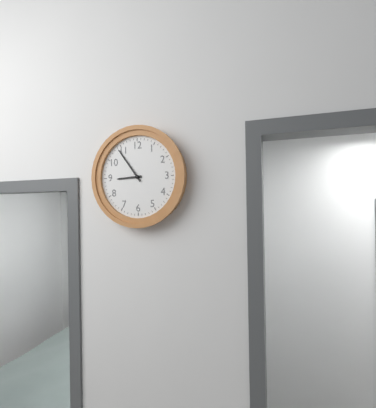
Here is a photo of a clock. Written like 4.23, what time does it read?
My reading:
8.54
